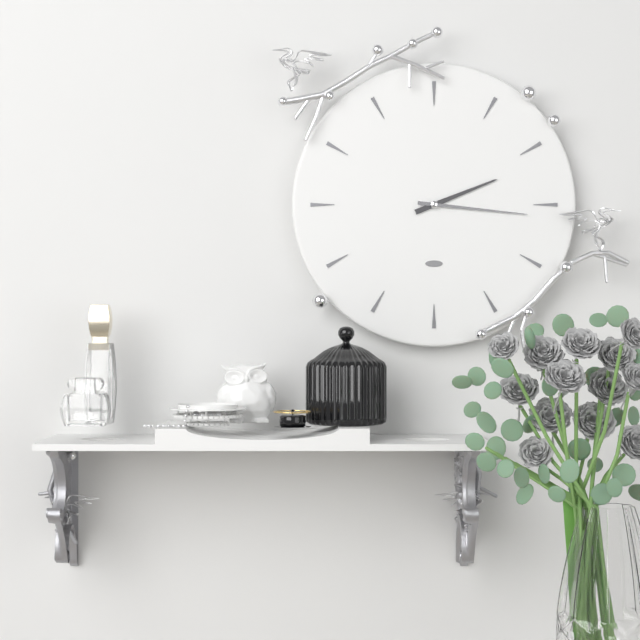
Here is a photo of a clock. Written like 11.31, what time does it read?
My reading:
2.16
